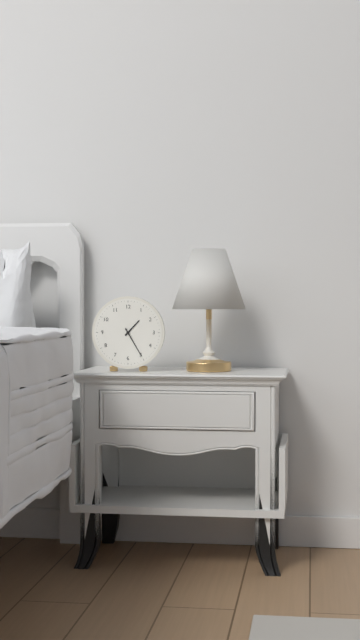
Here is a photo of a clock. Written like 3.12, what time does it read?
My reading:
1.25
